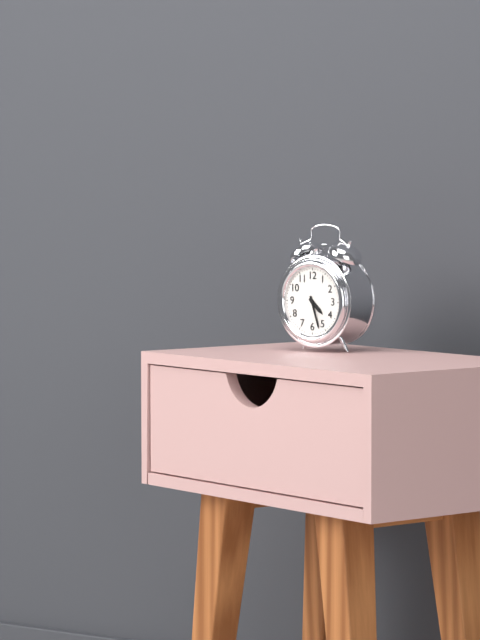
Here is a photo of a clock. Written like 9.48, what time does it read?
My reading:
4.27
